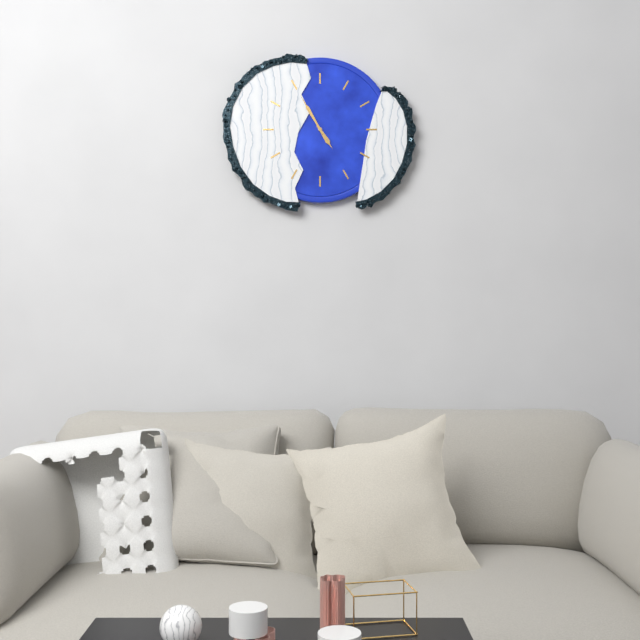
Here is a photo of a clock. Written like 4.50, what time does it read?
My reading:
4.55
